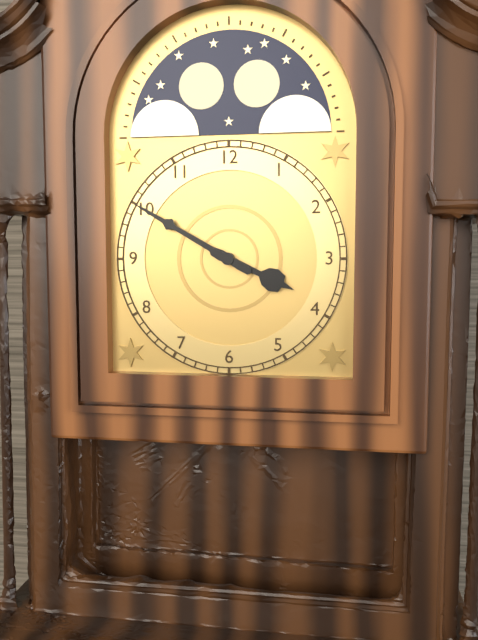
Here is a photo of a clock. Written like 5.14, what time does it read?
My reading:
3.50
